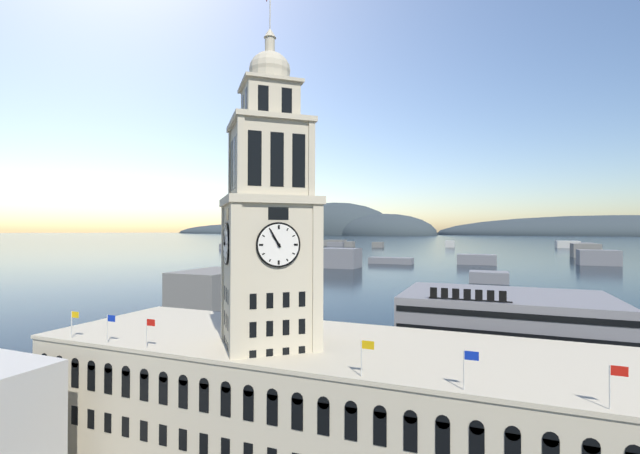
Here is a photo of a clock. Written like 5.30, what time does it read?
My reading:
10.55
